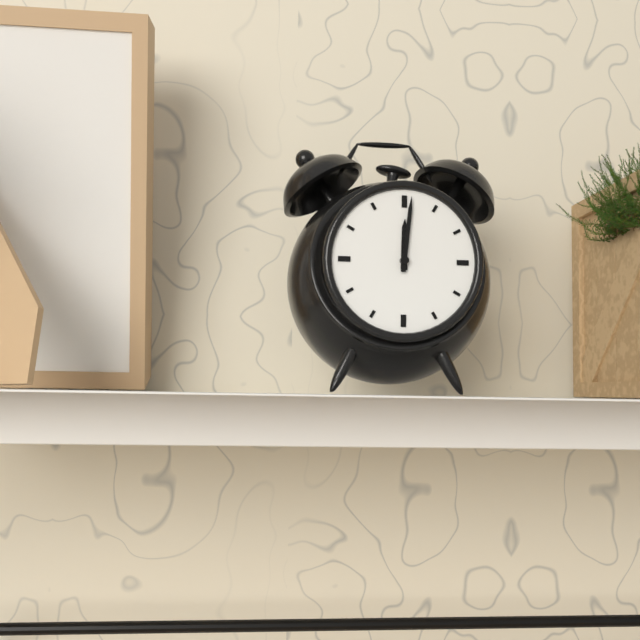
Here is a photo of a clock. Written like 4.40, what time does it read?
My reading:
12.01
